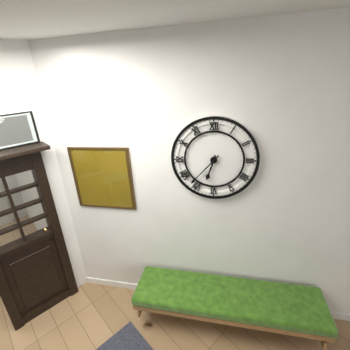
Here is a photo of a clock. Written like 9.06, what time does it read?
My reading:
6.37
